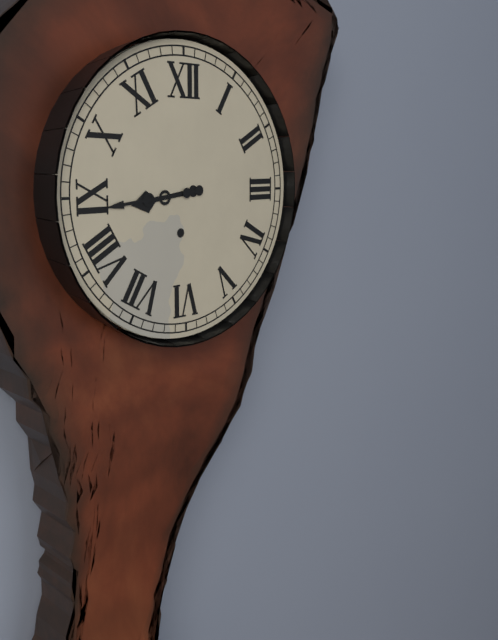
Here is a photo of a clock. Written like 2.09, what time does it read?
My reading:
8.44
